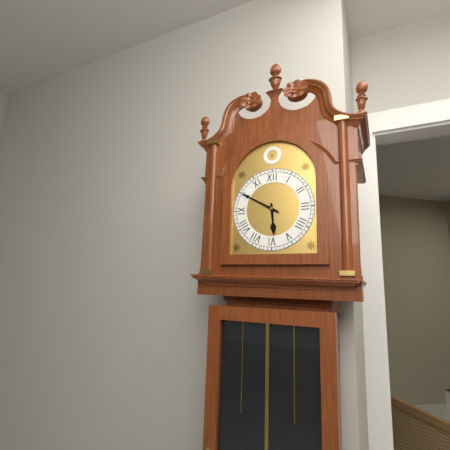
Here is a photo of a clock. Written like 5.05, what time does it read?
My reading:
5.50
